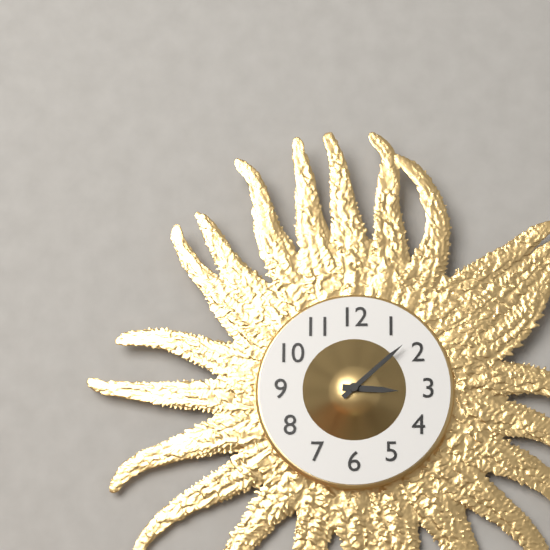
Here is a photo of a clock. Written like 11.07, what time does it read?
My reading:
3.08
